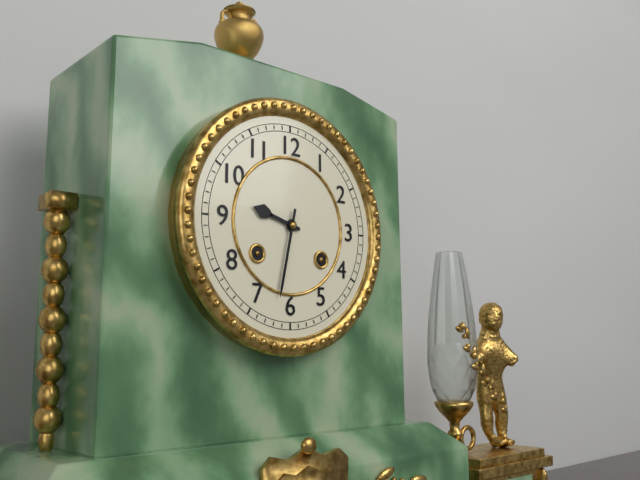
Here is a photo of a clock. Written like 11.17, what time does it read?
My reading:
9.32
